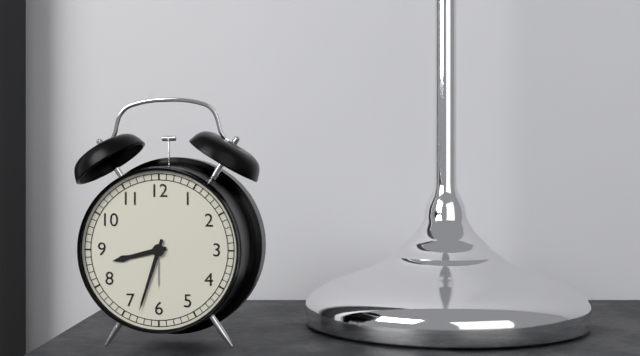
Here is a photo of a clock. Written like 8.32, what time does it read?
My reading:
8.33
